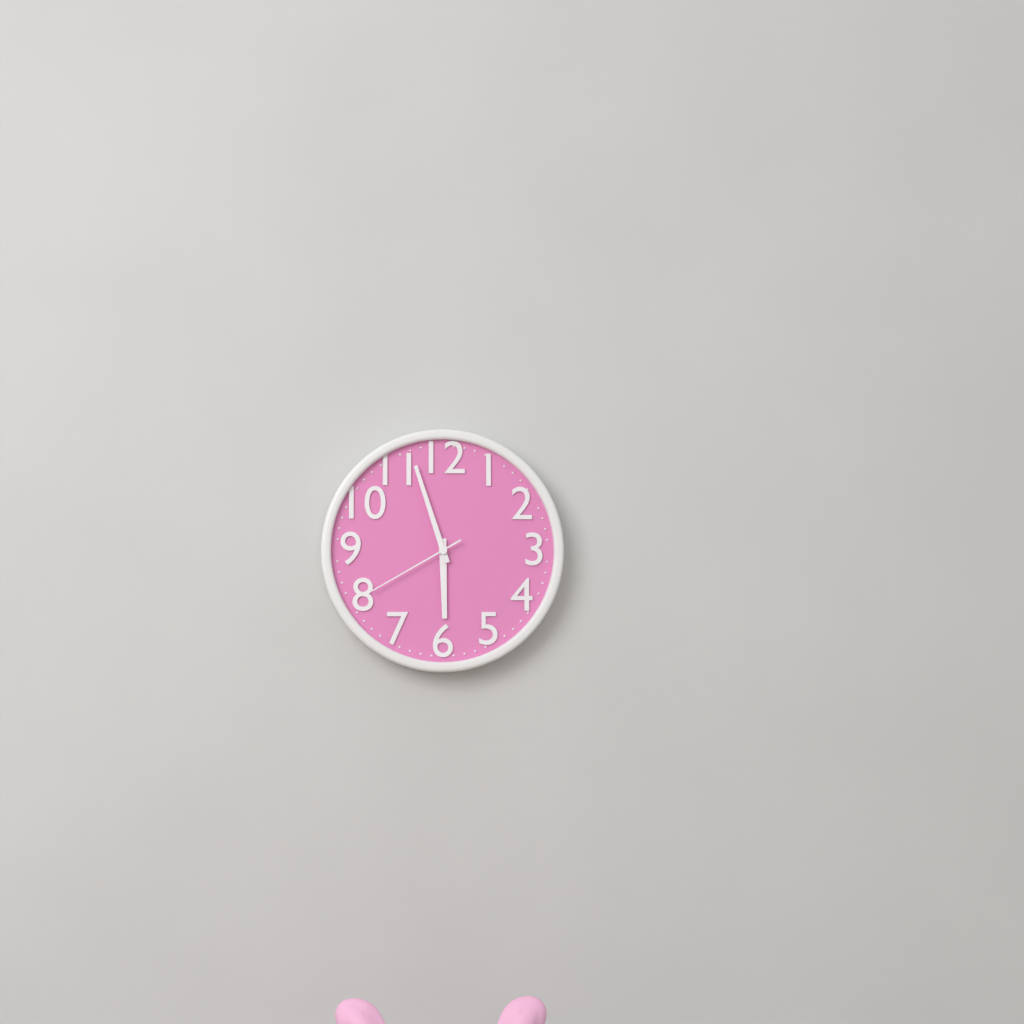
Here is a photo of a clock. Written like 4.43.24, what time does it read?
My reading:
5.57.40
